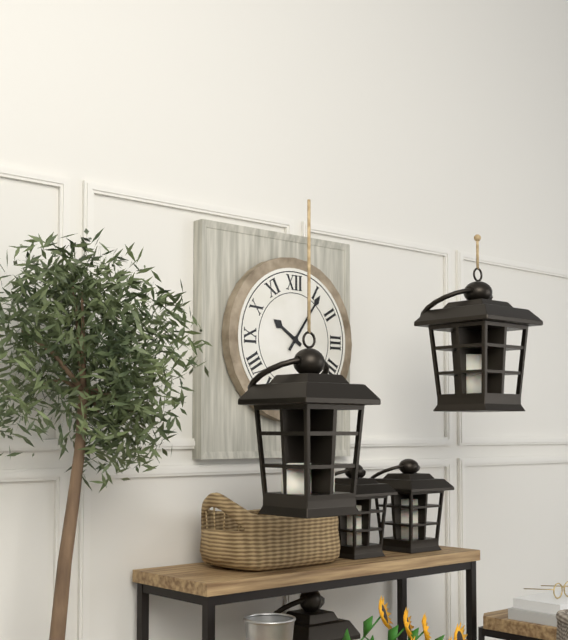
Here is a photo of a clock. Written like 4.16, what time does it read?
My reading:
10.06
